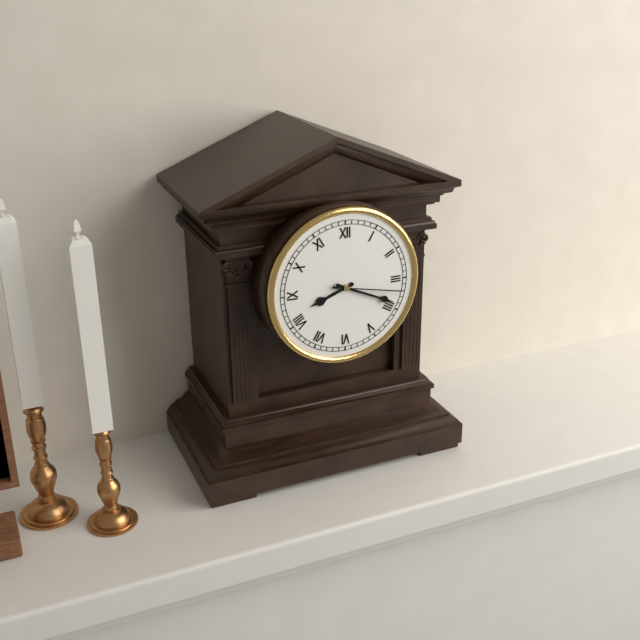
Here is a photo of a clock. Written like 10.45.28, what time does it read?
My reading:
8.19.17
